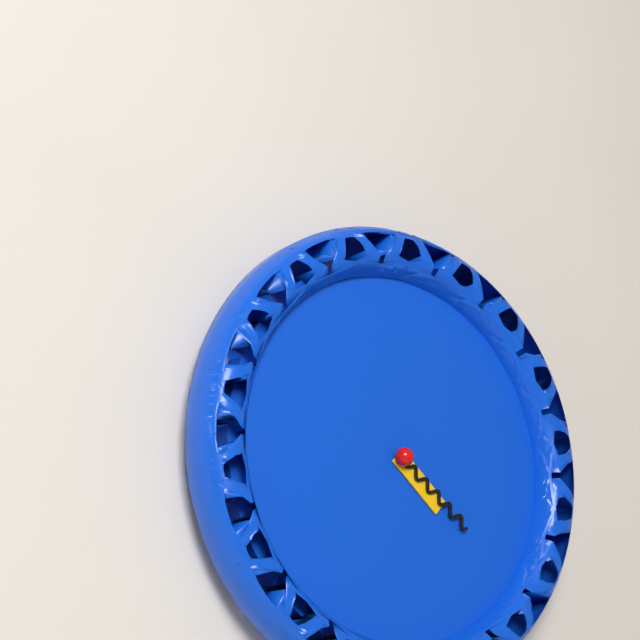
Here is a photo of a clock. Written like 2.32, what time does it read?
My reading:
4.21
